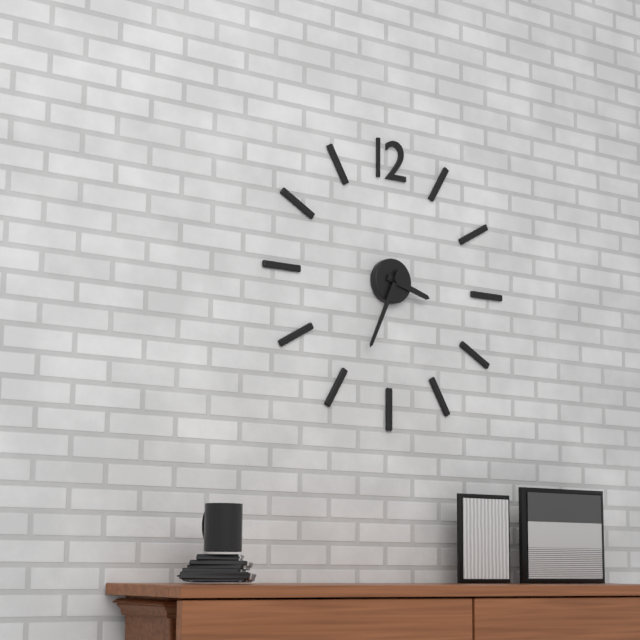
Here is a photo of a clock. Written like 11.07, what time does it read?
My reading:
3.34
